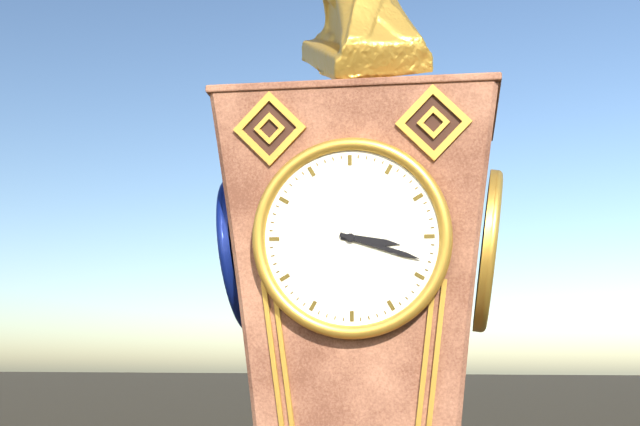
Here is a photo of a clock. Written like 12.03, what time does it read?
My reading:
3.18
